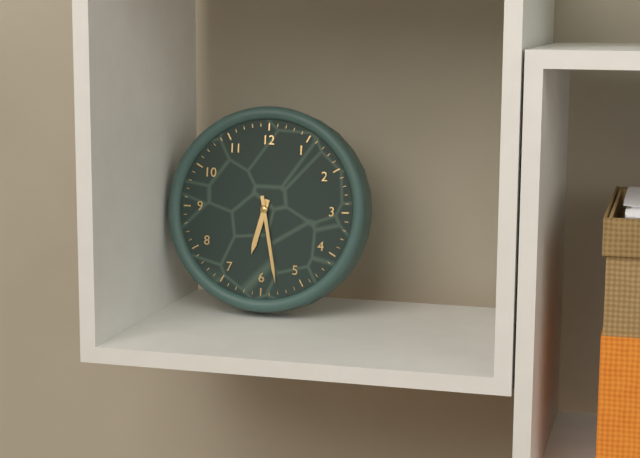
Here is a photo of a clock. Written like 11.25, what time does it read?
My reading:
6.28
